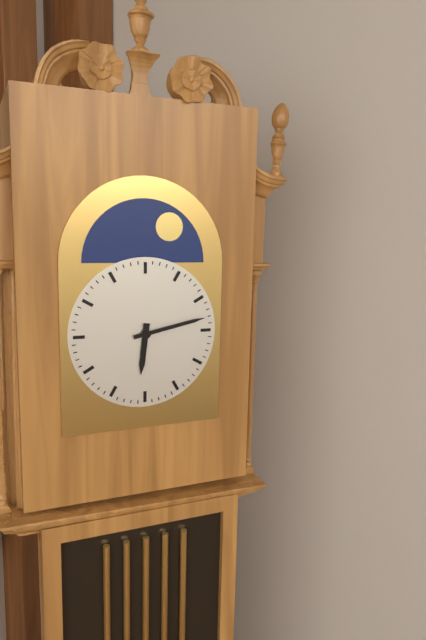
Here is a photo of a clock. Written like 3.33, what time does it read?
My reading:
6.13
